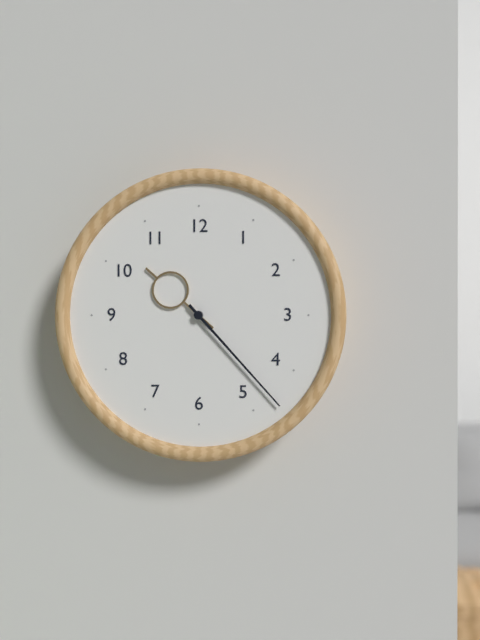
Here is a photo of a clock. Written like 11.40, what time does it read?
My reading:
10.23
